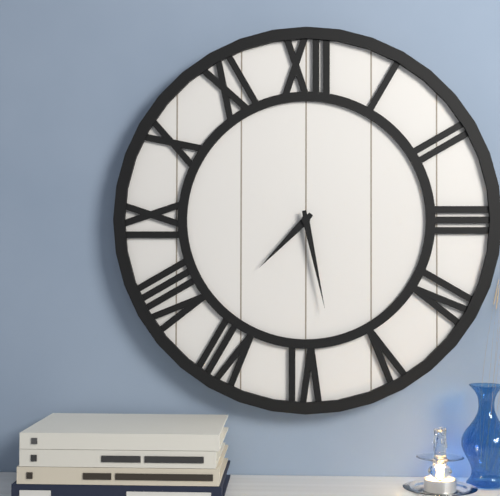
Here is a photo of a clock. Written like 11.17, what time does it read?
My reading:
7.28
